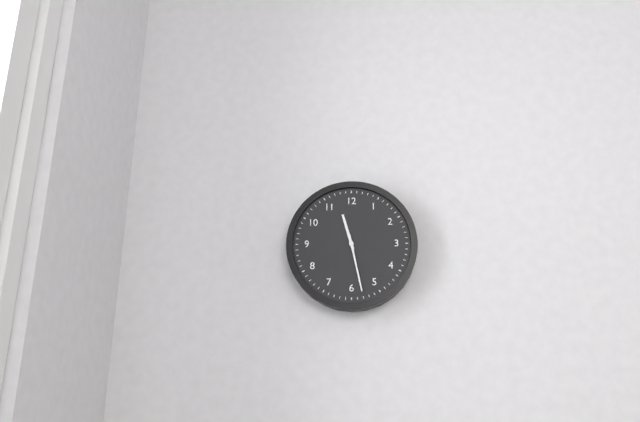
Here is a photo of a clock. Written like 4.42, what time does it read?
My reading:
11.28
